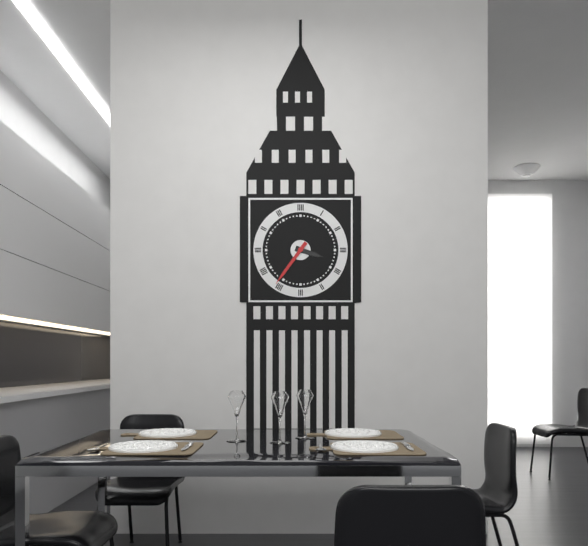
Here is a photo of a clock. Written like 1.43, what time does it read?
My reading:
3.36
